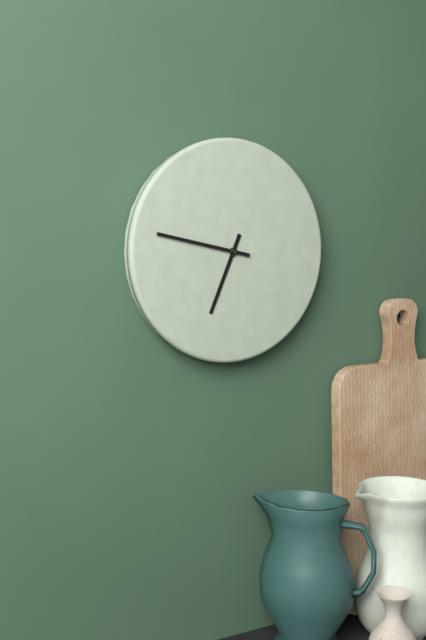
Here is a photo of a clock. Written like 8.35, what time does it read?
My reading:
6.47
